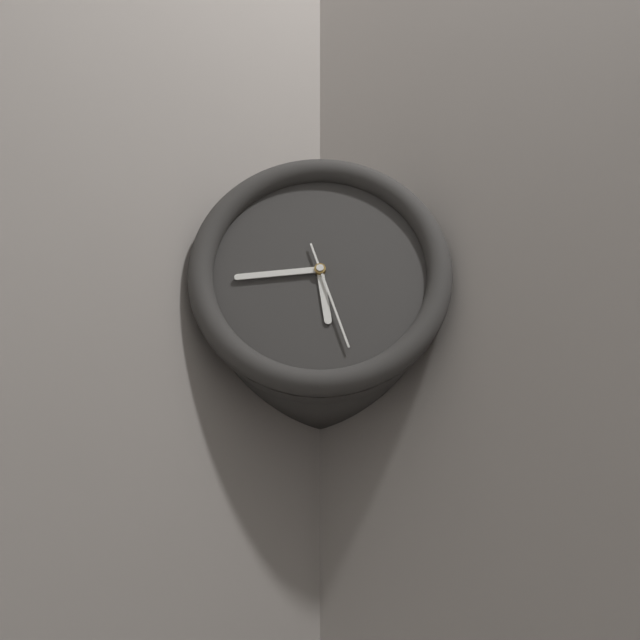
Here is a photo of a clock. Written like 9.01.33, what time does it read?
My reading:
5.44.27
